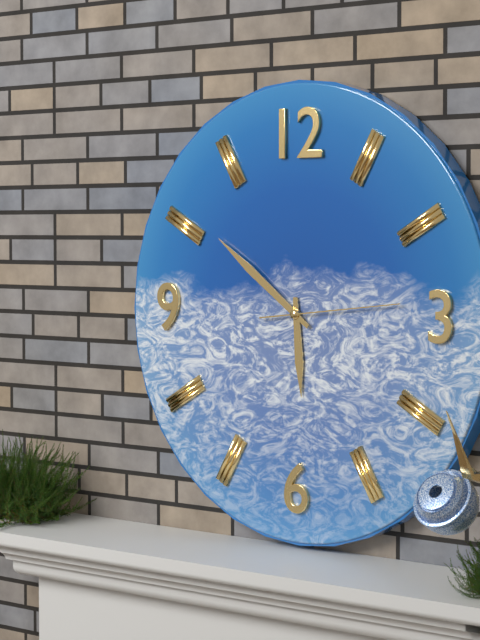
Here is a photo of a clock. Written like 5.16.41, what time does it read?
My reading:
5.51.14
